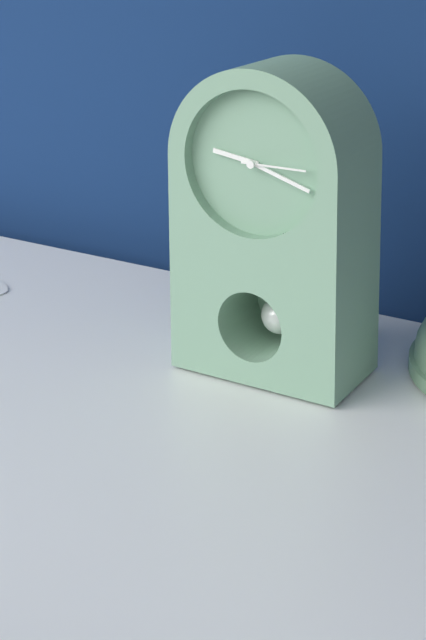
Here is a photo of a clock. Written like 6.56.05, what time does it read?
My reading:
9.18.15
